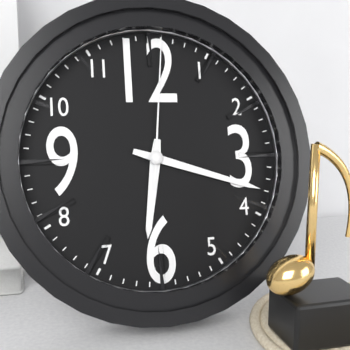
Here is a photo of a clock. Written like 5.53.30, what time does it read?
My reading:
6.18.01
